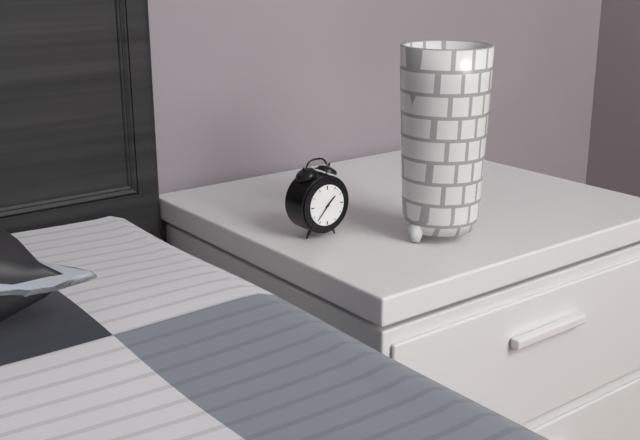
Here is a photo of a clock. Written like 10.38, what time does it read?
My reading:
1.37
